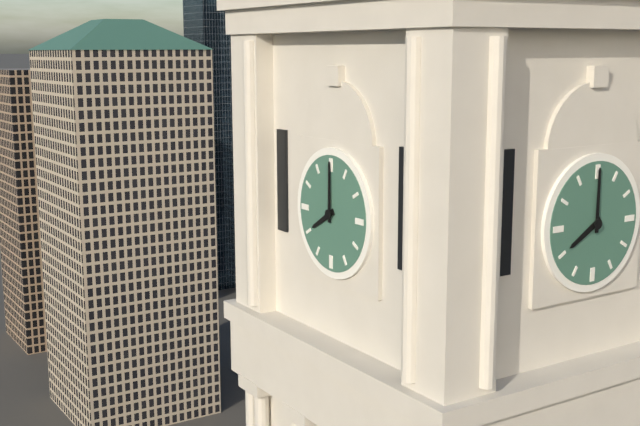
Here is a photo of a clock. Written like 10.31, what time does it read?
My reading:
8.00
